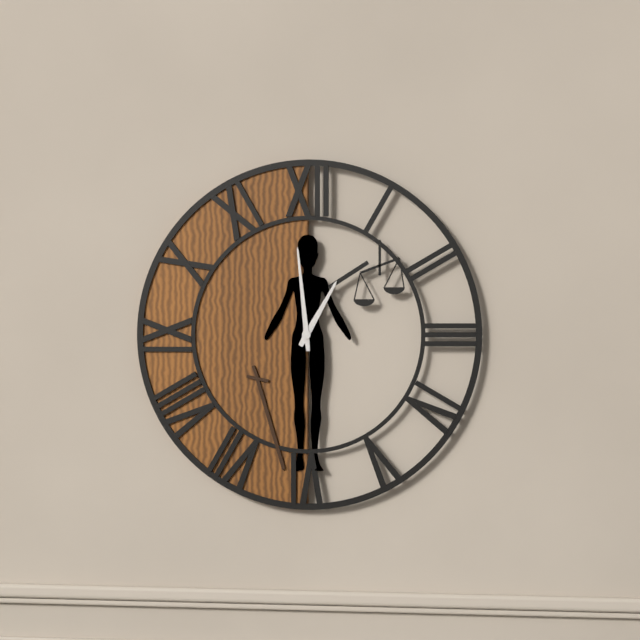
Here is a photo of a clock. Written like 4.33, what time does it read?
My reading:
12.59
